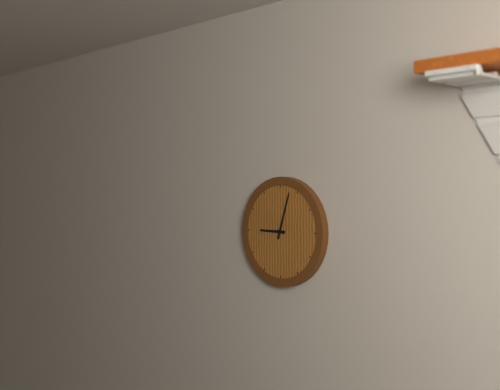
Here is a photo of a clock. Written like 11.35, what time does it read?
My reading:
9.03
